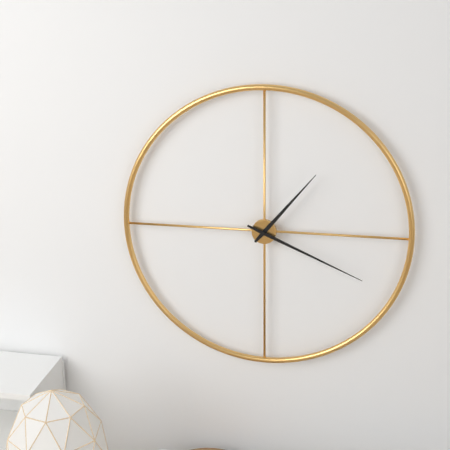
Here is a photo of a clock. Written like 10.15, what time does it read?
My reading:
1.19
